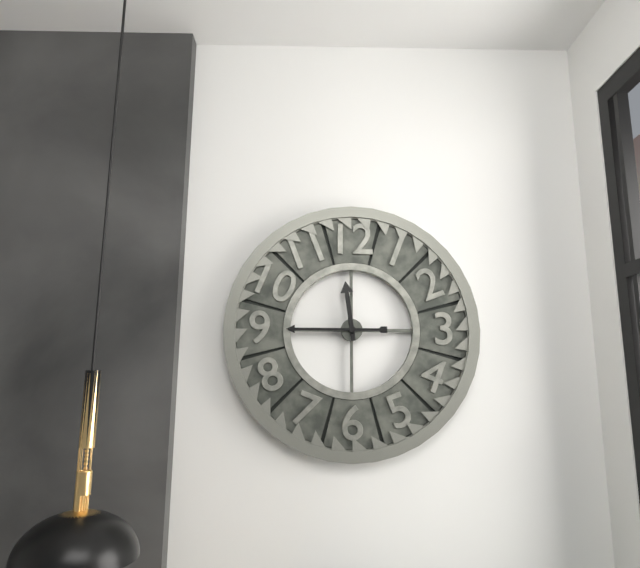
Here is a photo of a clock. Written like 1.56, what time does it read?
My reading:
11.45
